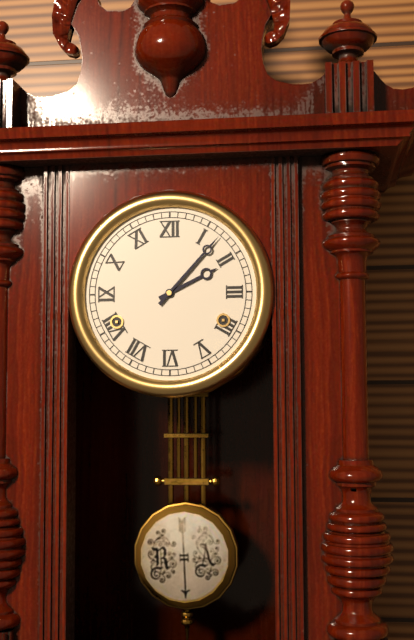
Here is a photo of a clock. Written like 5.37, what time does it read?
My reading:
2.07
